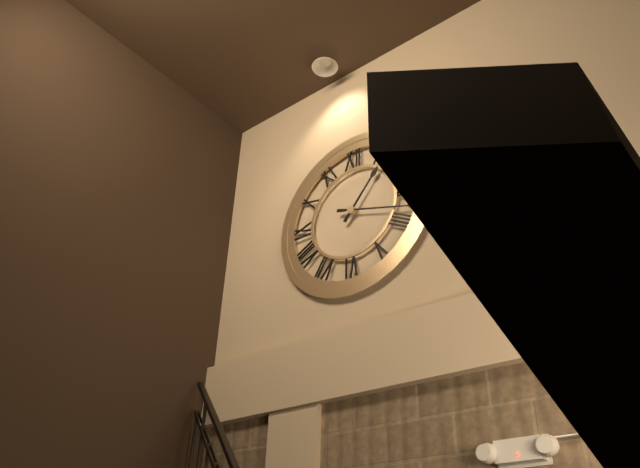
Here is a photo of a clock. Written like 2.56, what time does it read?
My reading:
1.18
